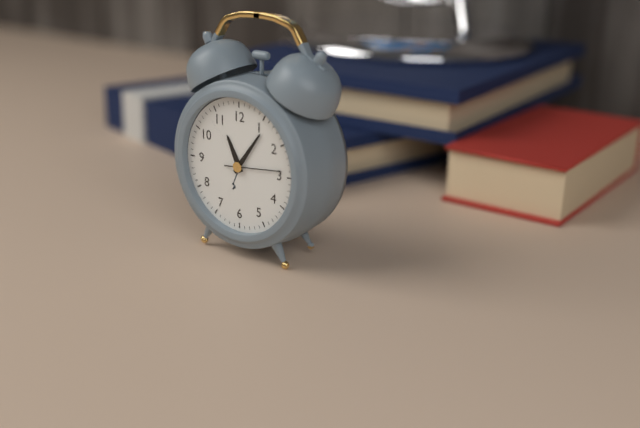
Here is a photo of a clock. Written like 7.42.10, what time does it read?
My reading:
11.06.14
